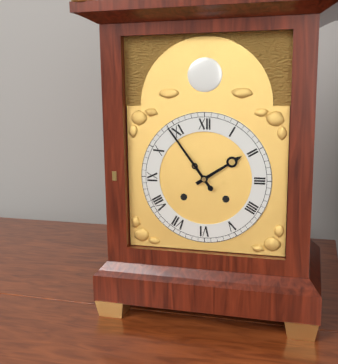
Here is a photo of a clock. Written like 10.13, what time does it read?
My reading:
1.54
